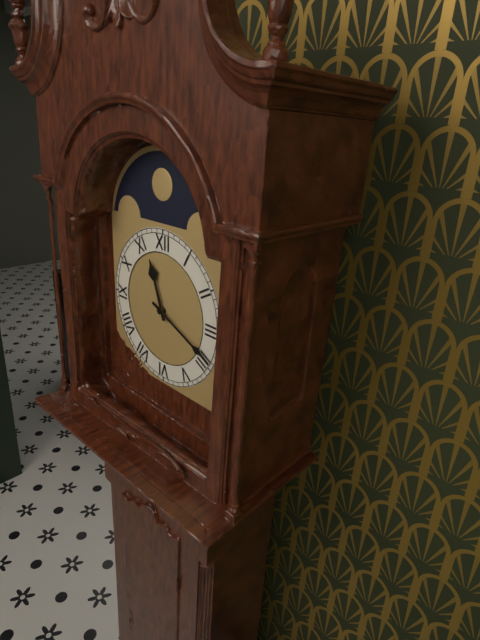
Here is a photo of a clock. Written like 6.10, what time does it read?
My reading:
11.19
